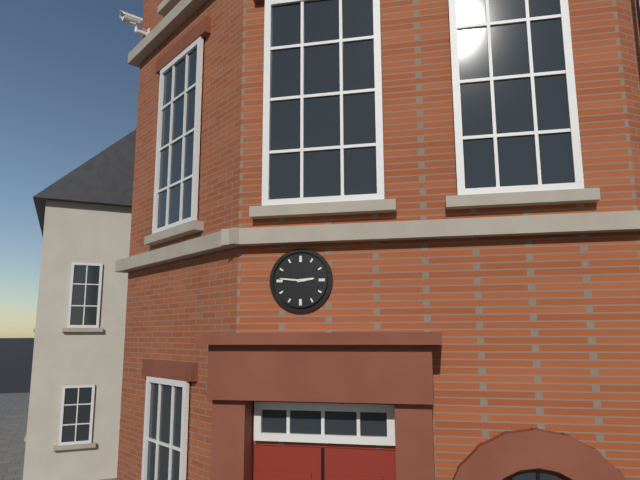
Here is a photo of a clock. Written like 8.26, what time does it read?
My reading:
2.46
